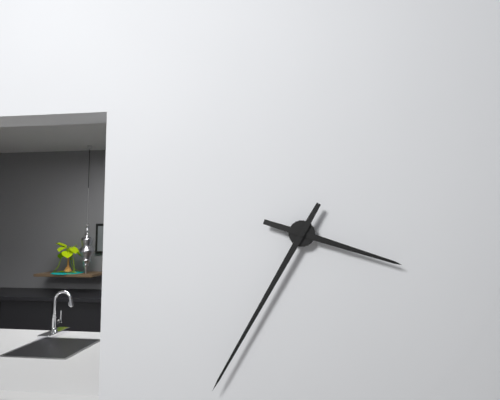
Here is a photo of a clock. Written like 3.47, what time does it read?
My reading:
3.35
